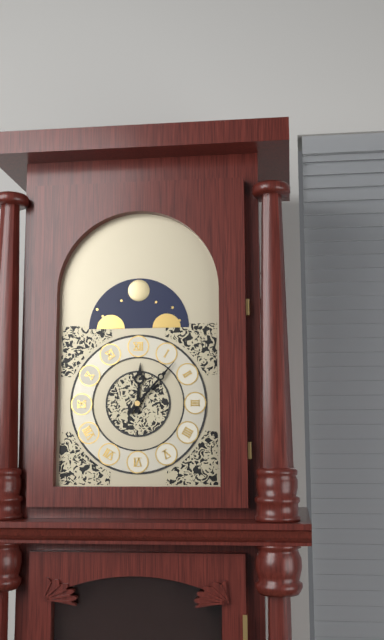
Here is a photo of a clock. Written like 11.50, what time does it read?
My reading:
12.07
